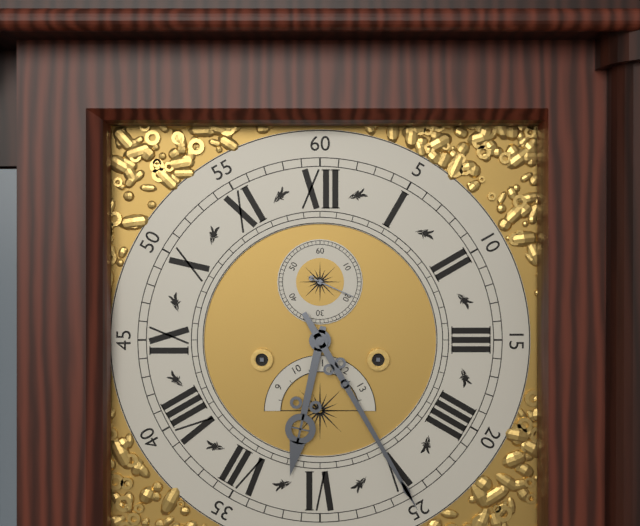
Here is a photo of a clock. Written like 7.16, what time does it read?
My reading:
6.25
